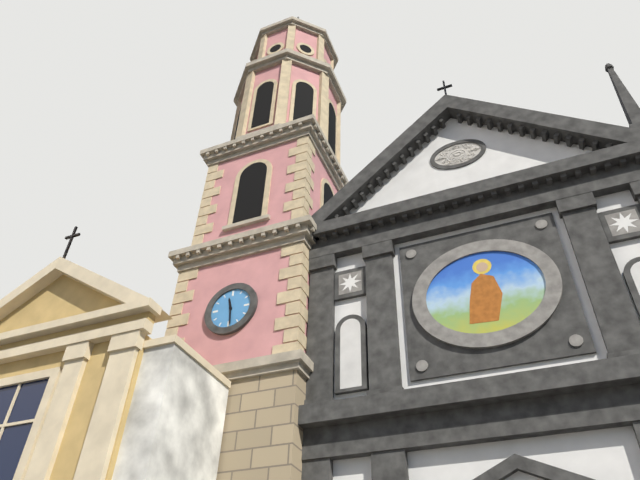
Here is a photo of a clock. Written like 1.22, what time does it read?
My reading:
11.29
